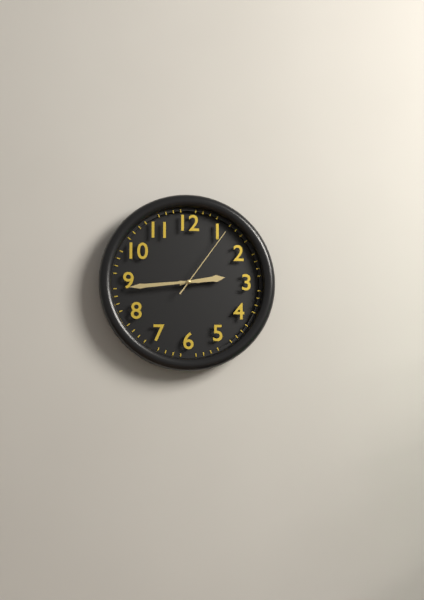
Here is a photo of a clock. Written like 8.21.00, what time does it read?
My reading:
2.44.06
